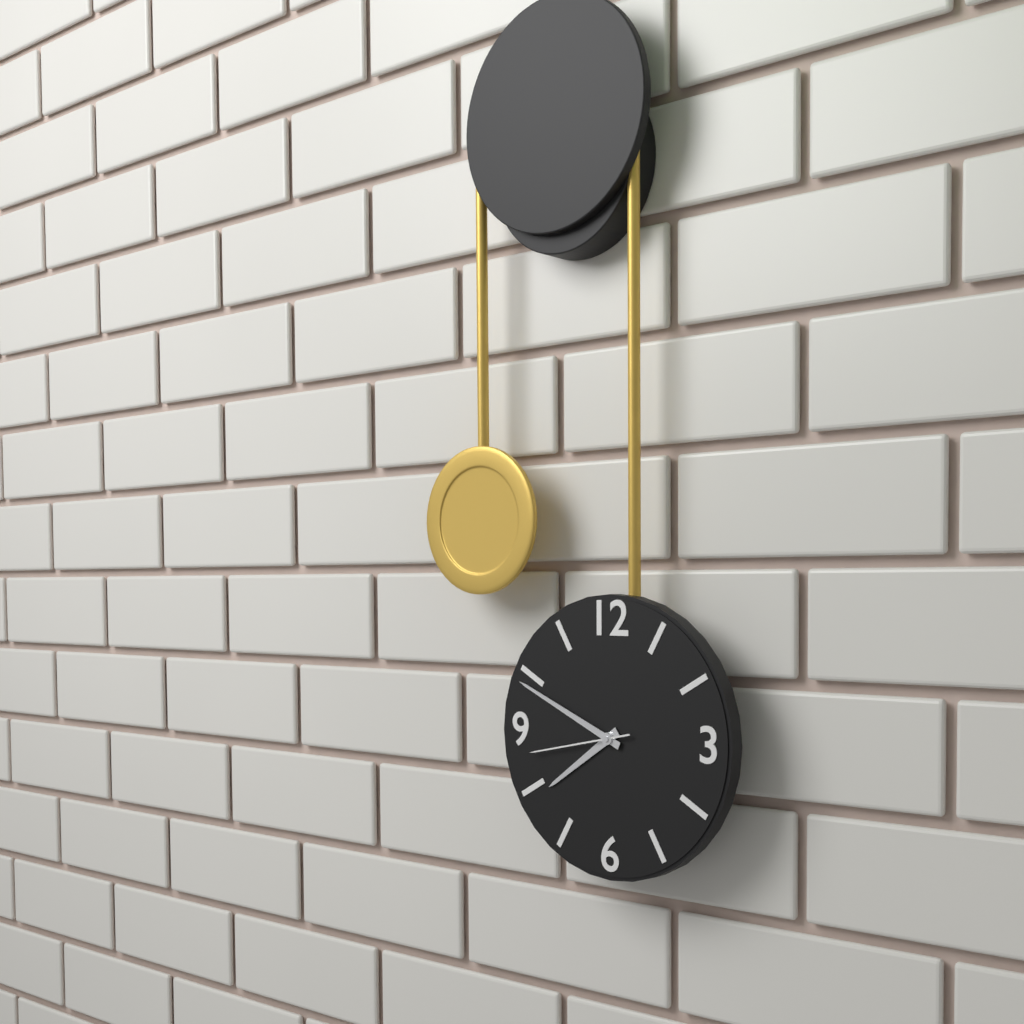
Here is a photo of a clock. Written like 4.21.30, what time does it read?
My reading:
7.49.43
